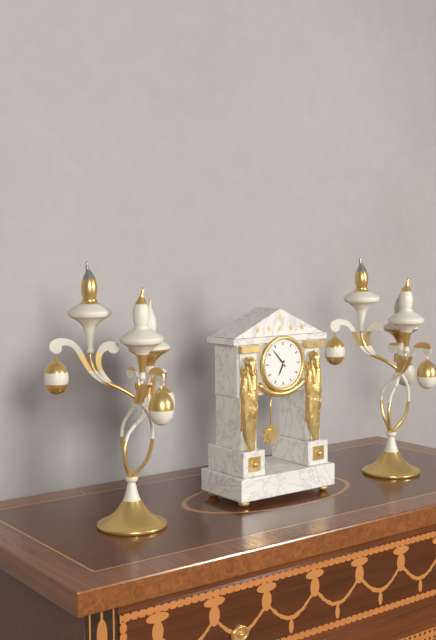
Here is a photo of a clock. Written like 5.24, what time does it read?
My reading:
6.53
